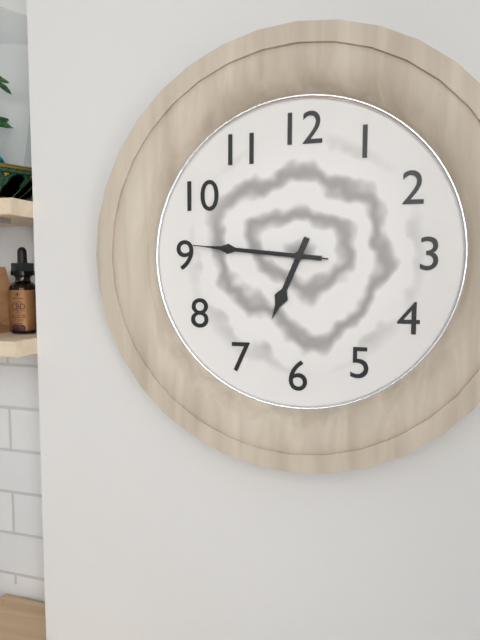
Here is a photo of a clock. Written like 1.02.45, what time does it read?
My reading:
6.46.46
